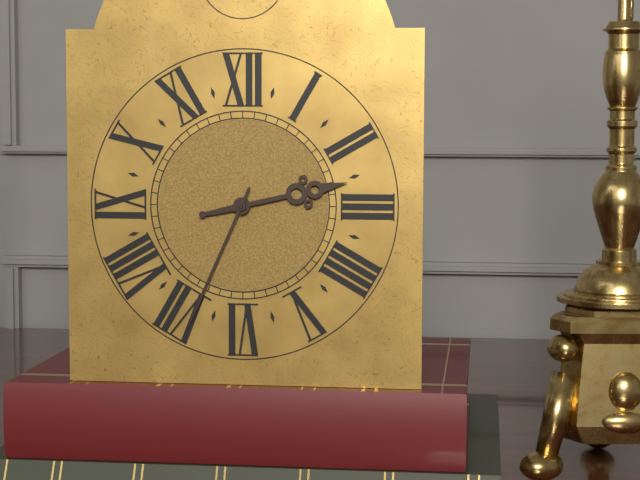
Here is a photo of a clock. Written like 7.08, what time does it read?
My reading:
2.34
